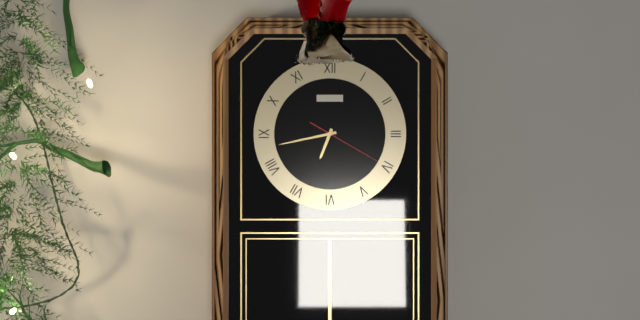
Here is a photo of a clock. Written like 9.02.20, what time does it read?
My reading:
6.43.20
